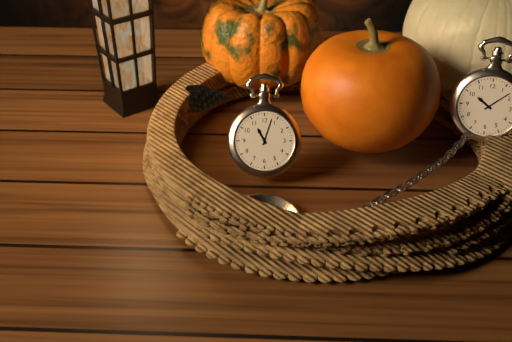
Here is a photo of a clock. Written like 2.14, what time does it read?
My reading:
11.03
